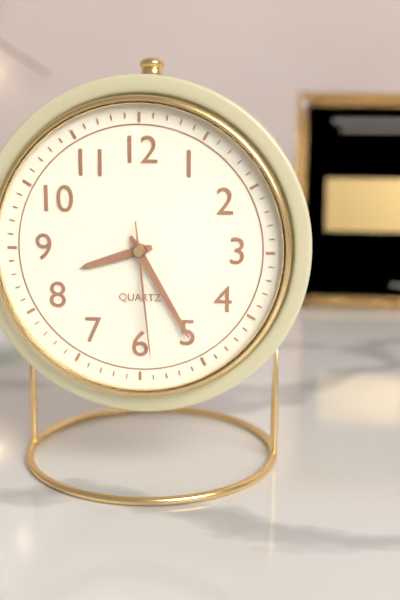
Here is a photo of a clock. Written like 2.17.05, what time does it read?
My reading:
8.25.29
